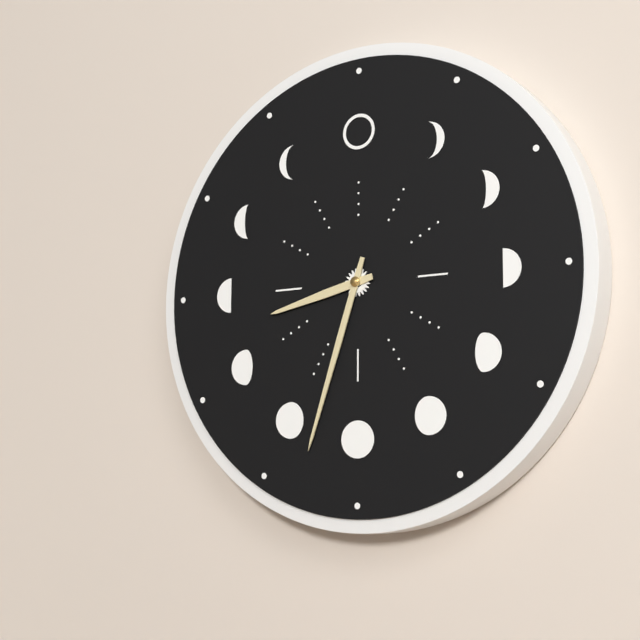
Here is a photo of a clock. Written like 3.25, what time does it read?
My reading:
8.33
